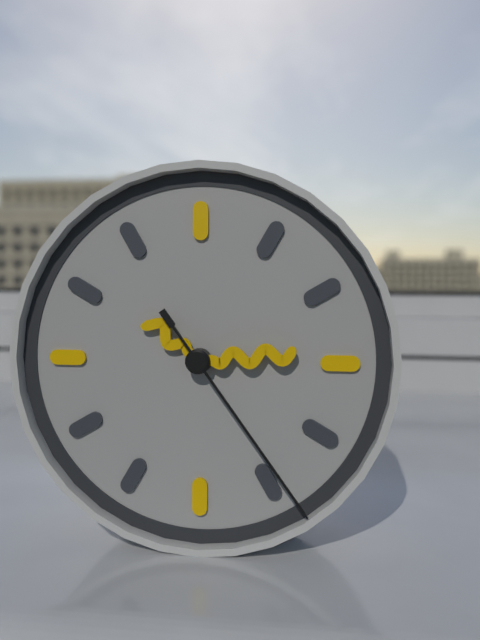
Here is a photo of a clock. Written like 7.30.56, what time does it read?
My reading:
10.14.24
